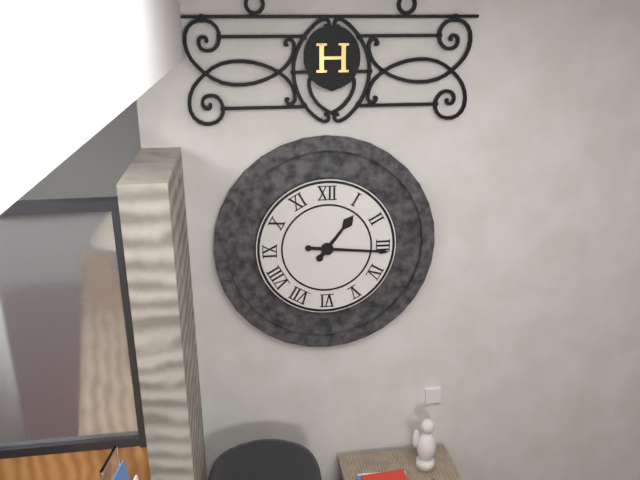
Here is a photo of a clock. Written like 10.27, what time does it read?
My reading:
1.16
